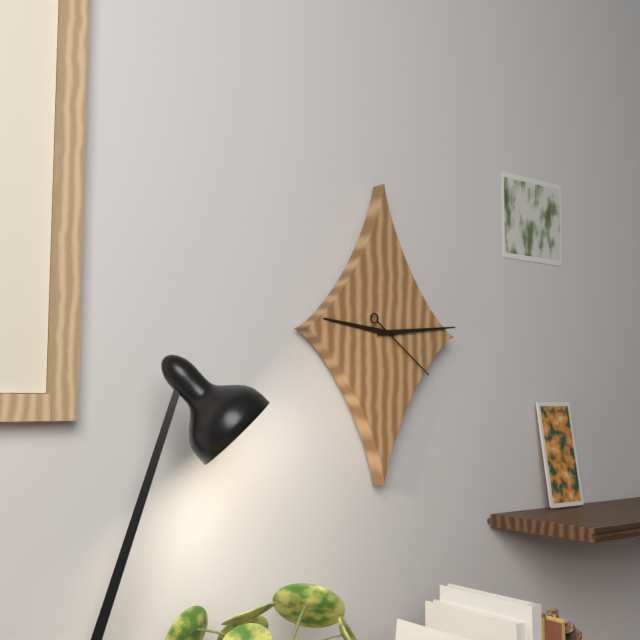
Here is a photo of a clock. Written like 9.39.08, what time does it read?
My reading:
9.14.21
